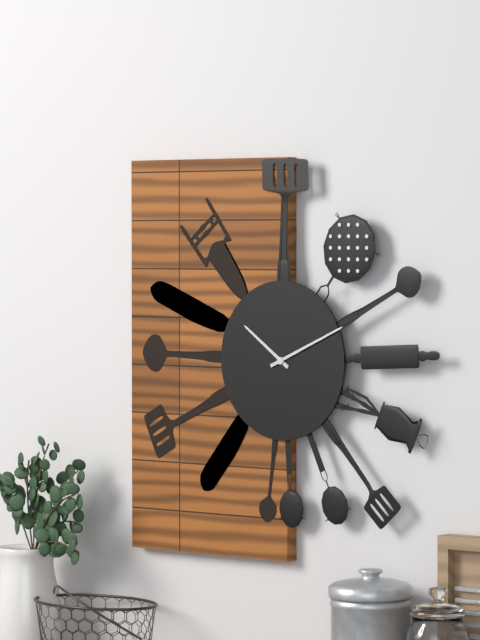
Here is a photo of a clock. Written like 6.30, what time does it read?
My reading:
10.11
